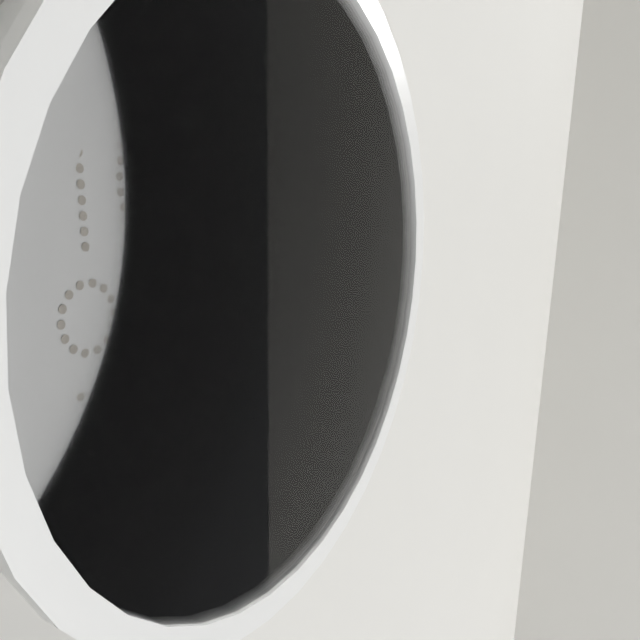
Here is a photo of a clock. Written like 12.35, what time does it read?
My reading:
6.29
